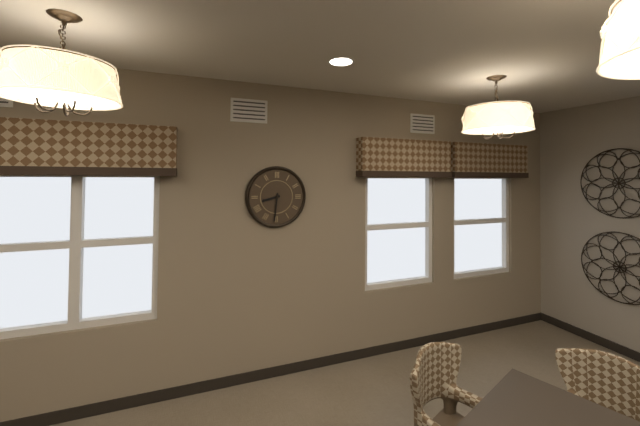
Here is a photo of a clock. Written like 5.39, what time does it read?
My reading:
8.31
